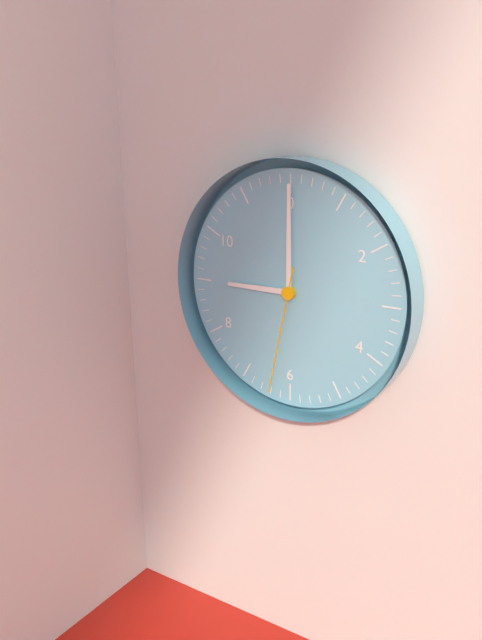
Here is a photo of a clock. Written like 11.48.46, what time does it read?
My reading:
9.00.32
